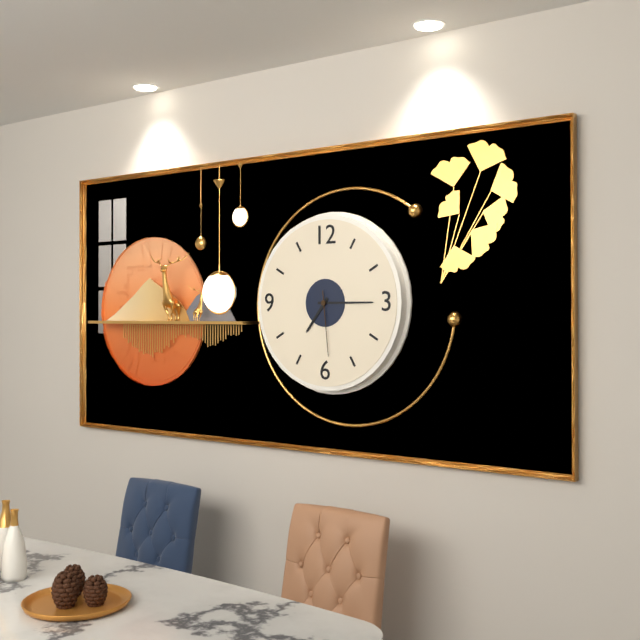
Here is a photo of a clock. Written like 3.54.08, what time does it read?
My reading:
7.15.29
